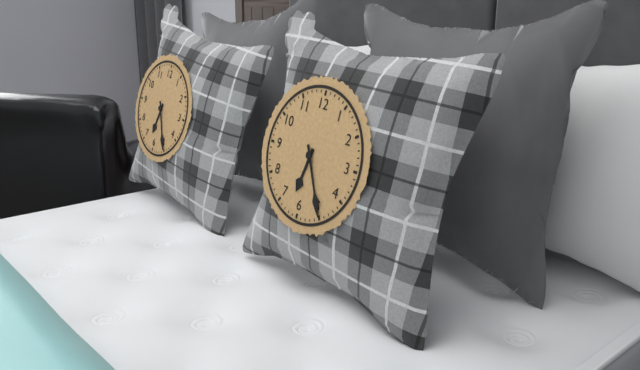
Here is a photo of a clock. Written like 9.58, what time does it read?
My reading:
6.25
